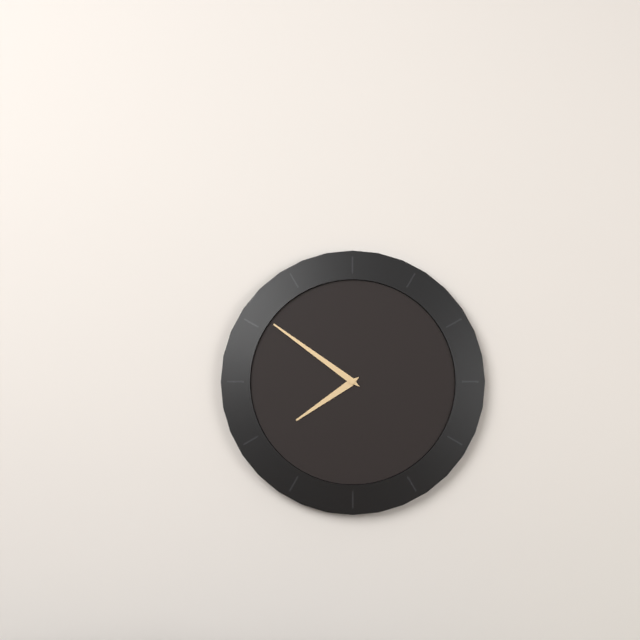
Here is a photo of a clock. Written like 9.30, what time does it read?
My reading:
7.51
